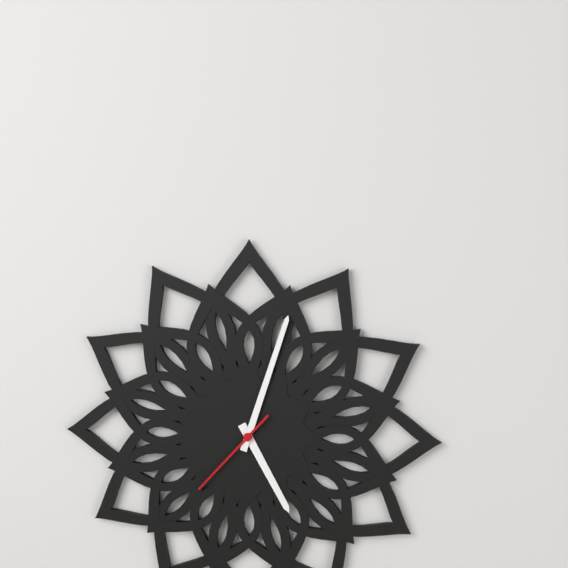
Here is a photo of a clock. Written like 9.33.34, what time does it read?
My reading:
5.03.37
